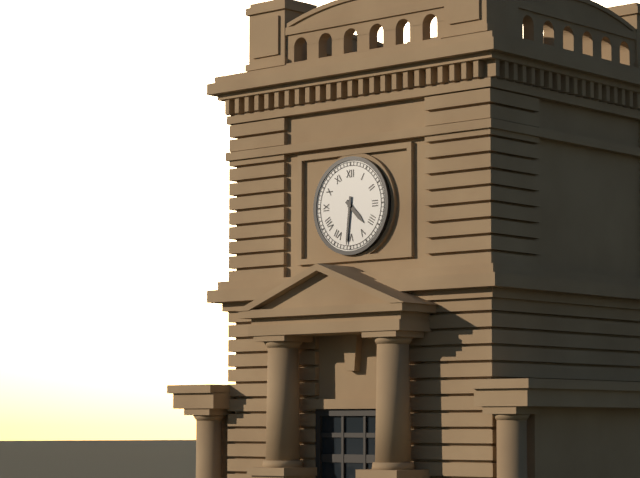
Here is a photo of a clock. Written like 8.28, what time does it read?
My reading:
4.31
